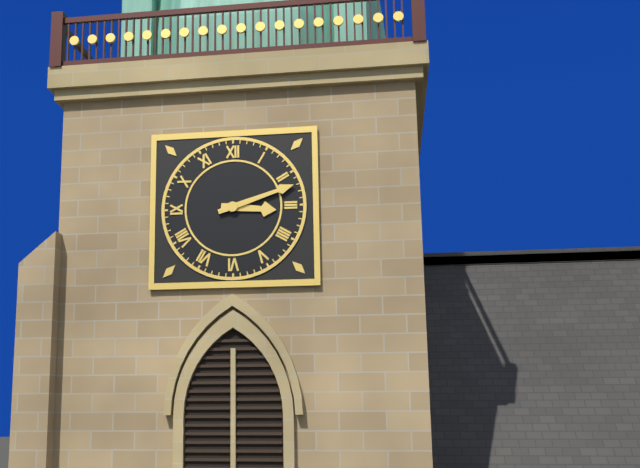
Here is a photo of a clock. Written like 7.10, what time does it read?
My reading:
3.12
